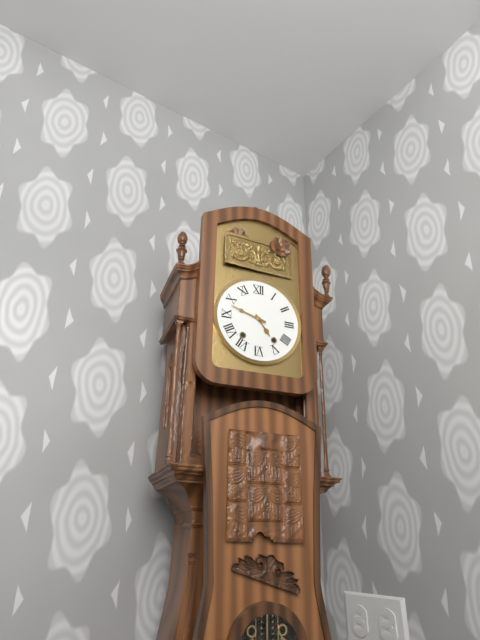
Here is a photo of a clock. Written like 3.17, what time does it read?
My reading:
4.48
